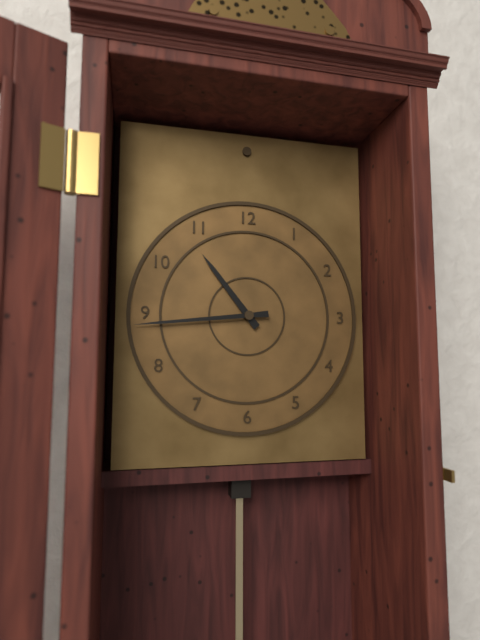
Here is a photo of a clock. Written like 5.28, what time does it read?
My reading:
10.44
